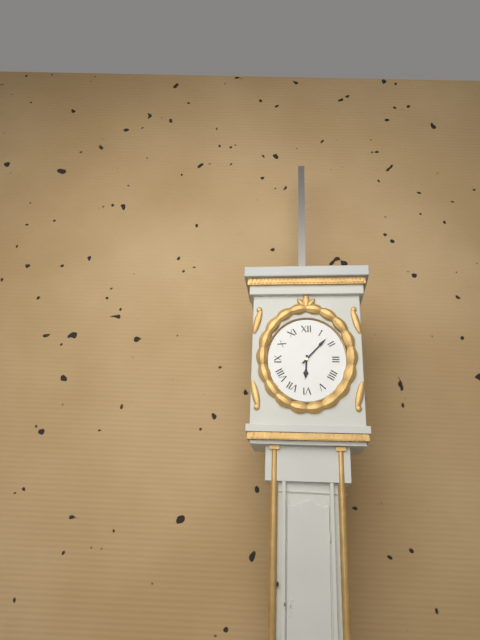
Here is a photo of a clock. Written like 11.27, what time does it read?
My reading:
6.07
